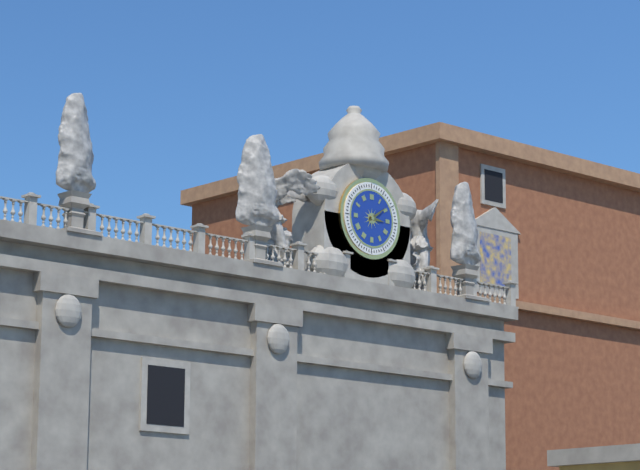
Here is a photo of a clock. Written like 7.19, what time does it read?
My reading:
3.09
